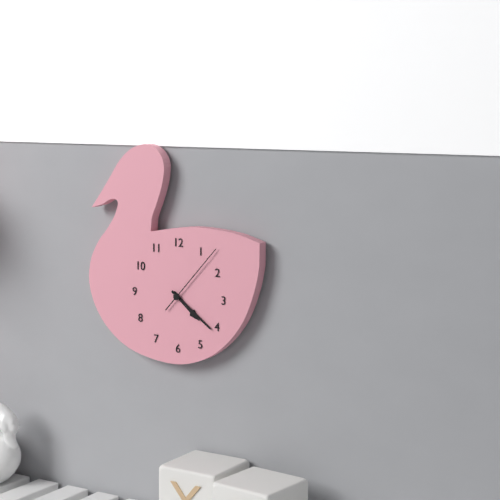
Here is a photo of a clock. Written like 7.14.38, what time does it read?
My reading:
4.21.07
